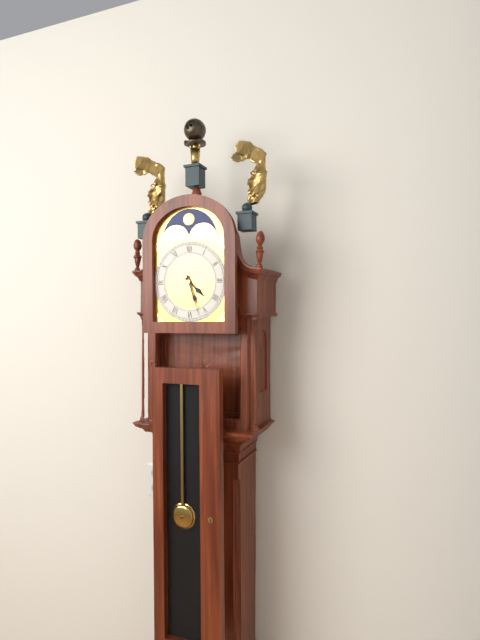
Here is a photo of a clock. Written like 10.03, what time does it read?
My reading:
4.27
